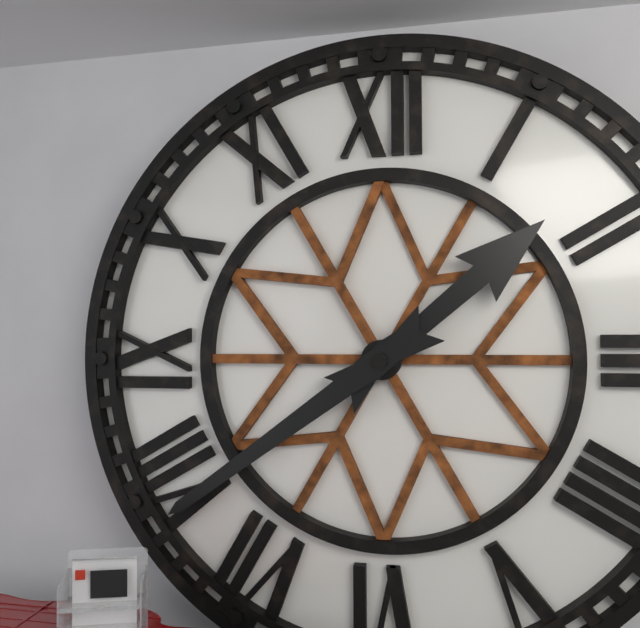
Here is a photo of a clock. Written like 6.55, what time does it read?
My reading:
1.39
